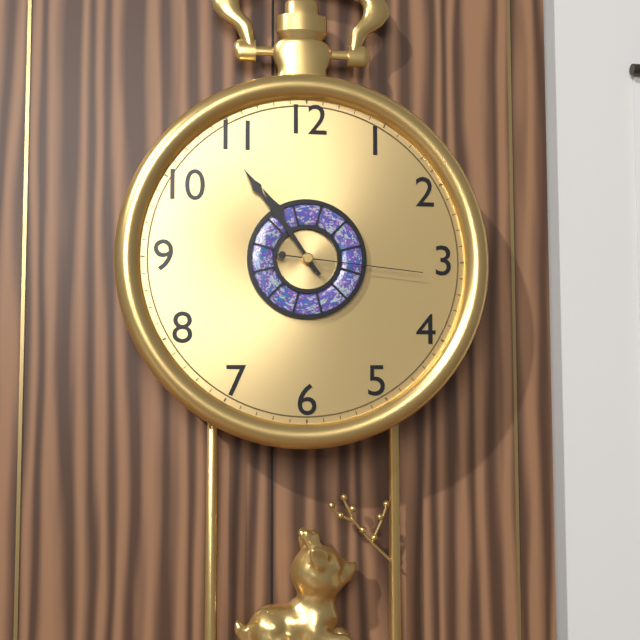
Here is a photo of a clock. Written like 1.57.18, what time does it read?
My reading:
10.54.16
